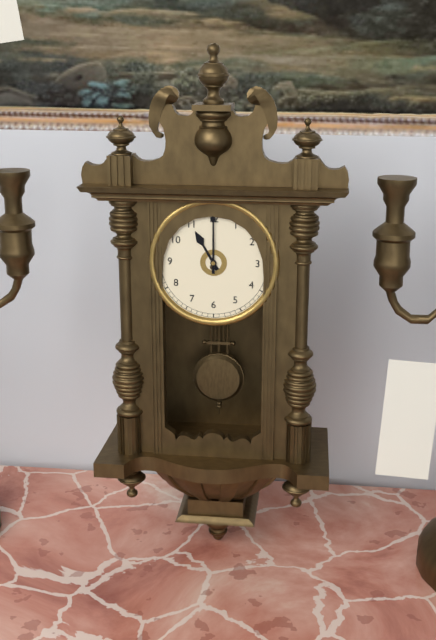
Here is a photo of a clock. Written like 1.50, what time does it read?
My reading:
11.00
